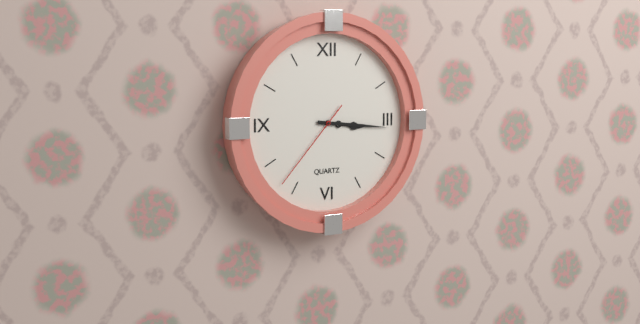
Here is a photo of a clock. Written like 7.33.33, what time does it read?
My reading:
3.16.37
